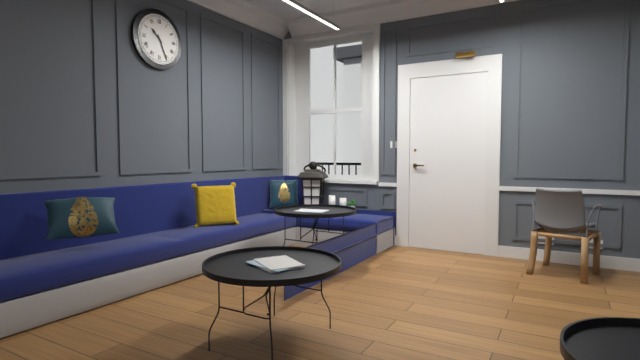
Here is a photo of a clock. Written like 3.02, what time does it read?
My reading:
10.26
